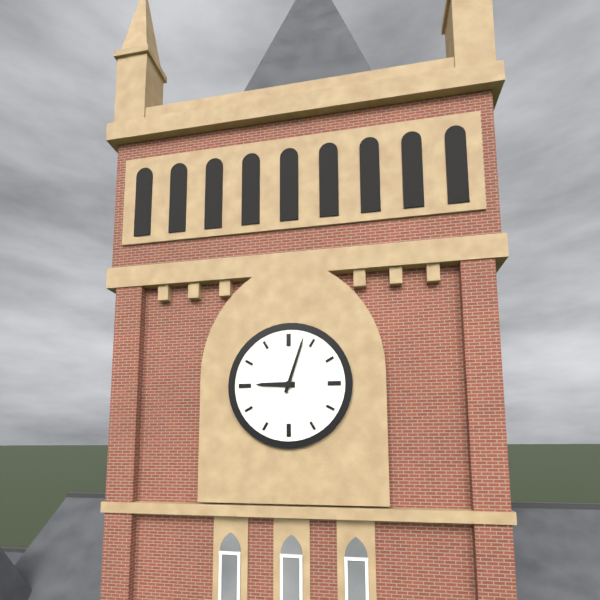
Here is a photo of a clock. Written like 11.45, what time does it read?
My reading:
9.03
